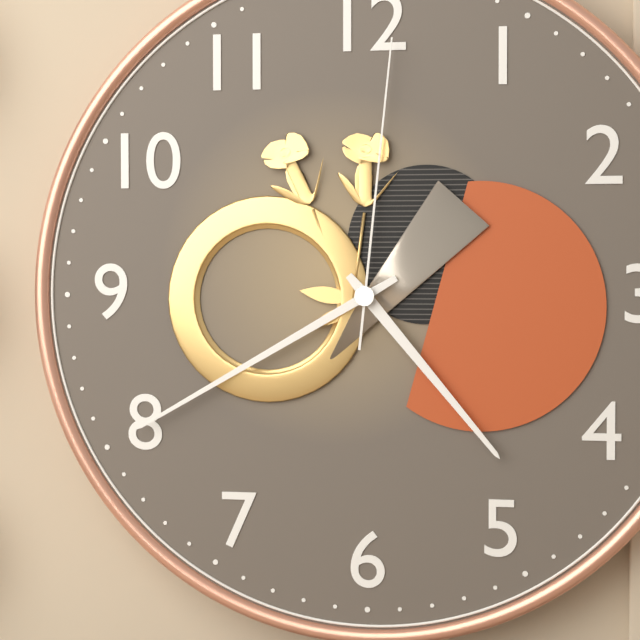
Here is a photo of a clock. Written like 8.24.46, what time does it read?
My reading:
4.40.01
